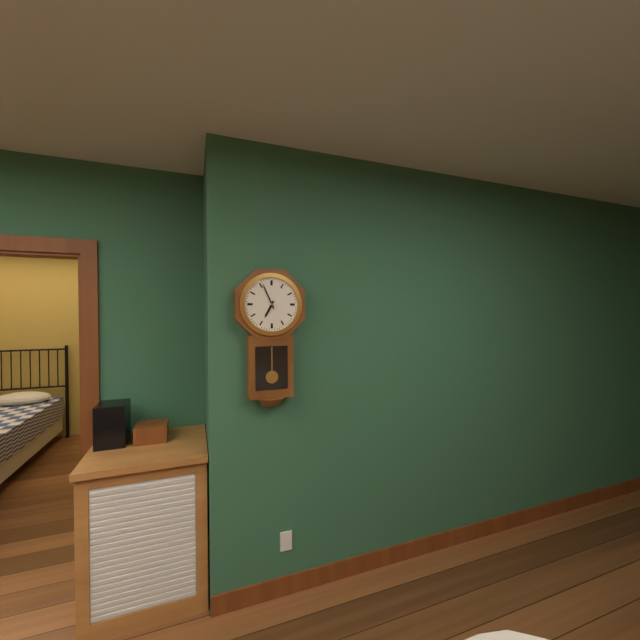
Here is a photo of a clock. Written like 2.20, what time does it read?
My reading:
6.56
